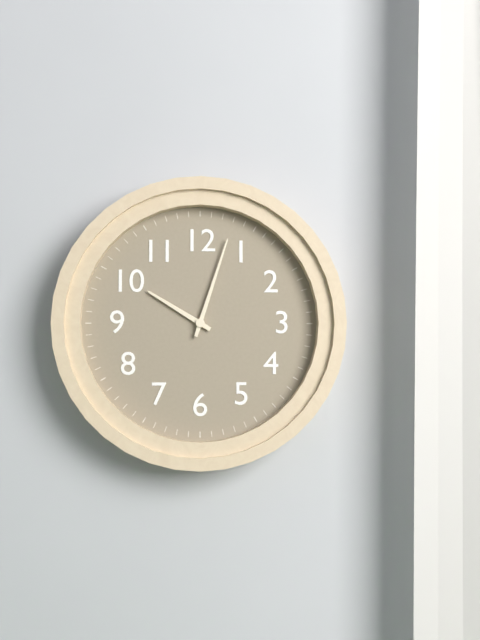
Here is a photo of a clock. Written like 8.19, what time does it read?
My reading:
10.03
